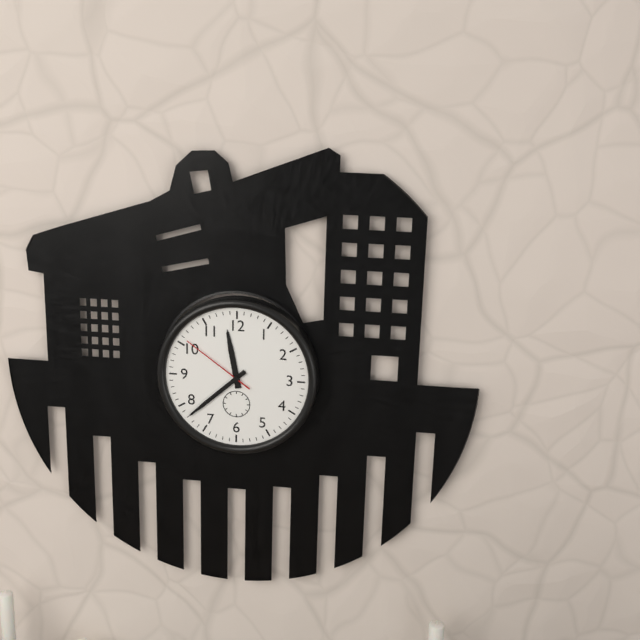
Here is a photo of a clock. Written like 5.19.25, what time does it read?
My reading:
11.38.51
